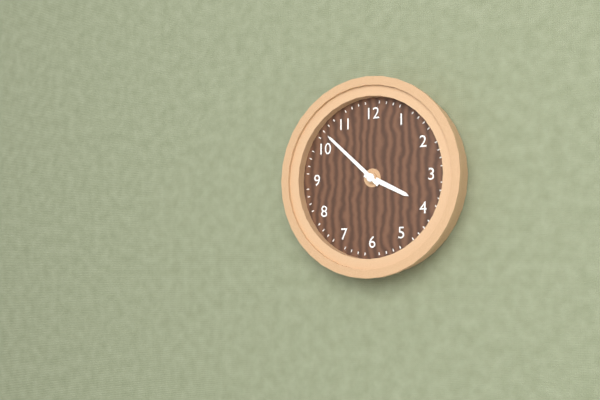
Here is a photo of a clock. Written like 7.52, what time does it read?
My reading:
3.52
